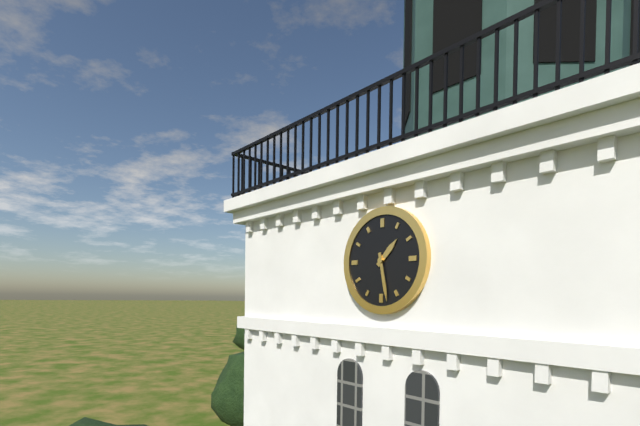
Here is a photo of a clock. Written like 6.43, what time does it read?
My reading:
1.28
